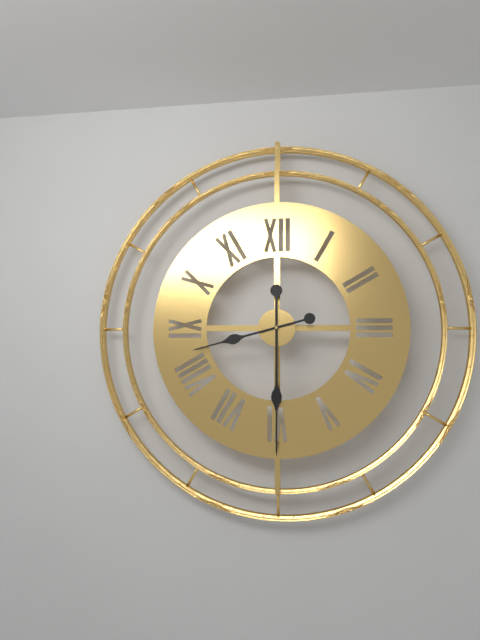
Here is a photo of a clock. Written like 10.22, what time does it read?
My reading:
8.30
